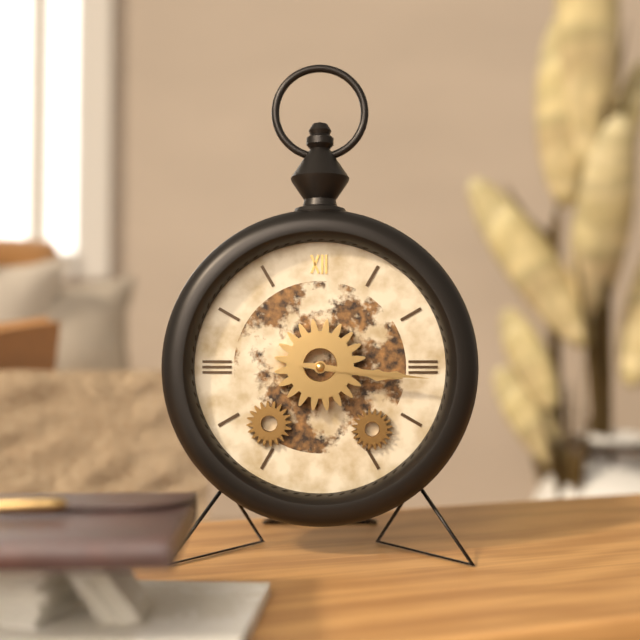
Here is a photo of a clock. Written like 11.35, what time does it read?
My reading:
3.16
